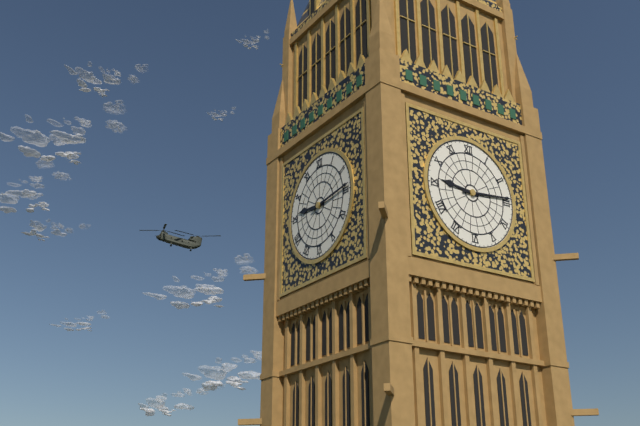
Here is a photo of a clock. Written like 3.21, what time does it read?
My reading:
9.14
